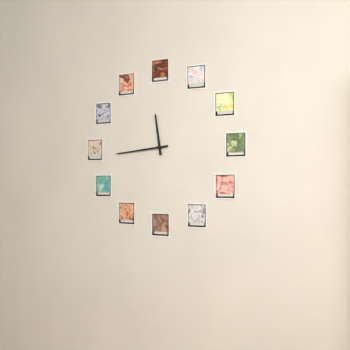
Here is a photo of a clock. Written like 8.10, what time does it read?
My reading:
11.44
